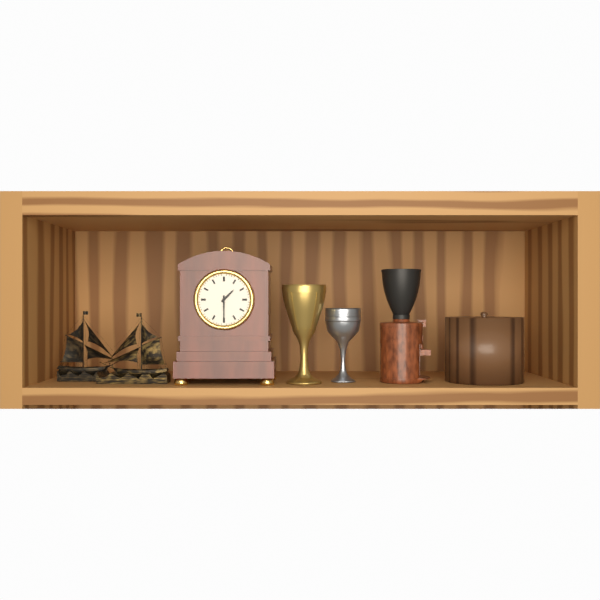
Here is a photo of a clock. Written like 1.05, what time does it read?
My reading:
1.30
